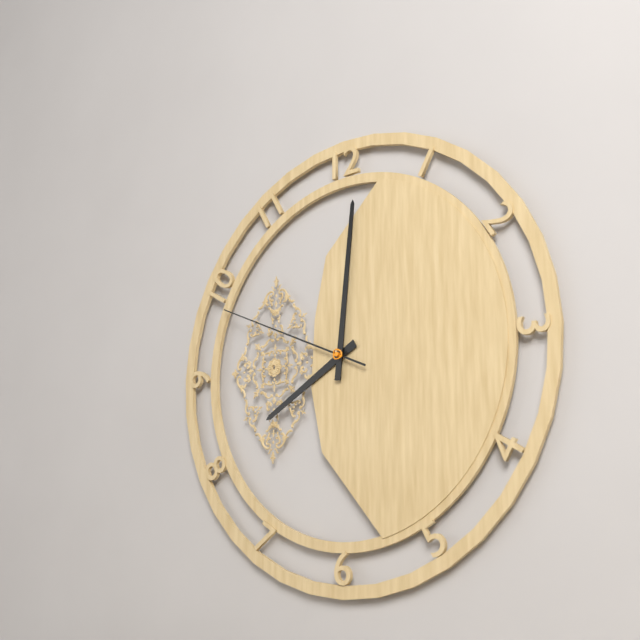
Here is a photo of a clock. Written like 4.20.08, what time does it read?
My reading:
8.01.49
